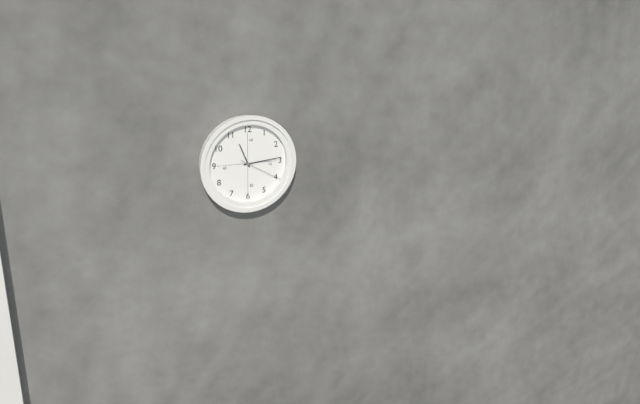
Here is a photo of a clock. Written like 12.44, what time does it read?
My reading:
11.14
